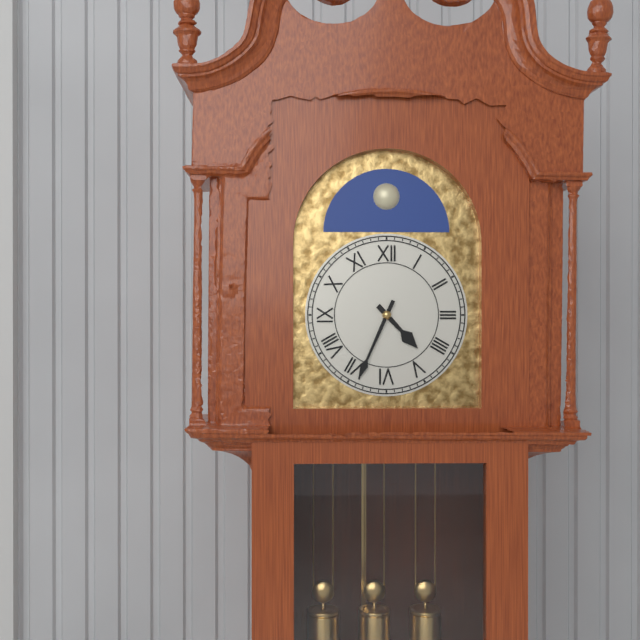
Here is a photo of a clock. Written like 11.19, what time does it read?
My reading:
4.34
